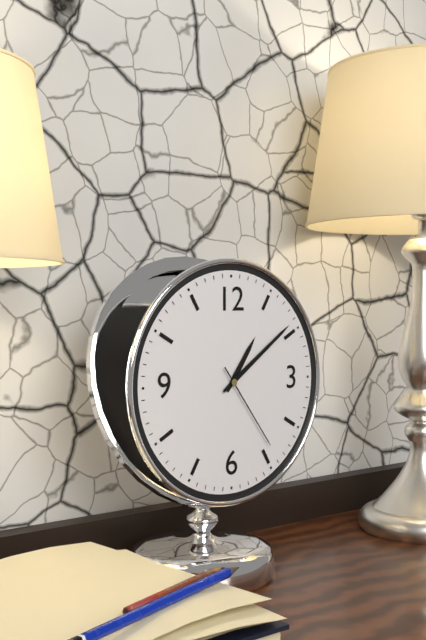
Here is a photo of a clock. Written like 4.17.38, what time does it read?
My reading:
1.09.24
